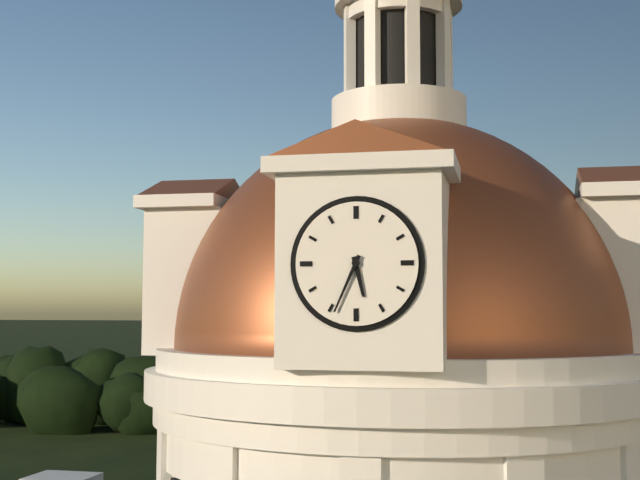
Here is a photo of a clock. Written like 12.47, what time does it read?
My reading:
5.34
